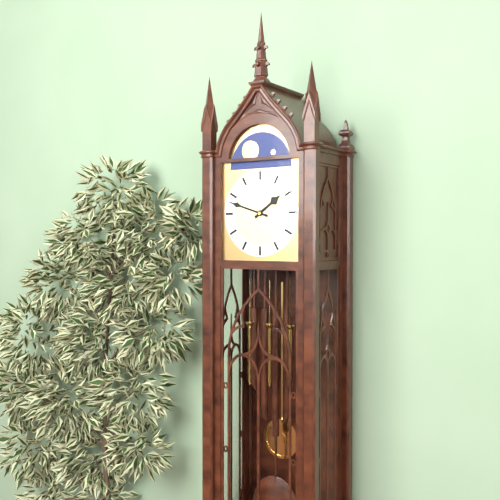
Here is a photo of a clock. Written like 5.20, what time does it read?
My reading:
1.48
